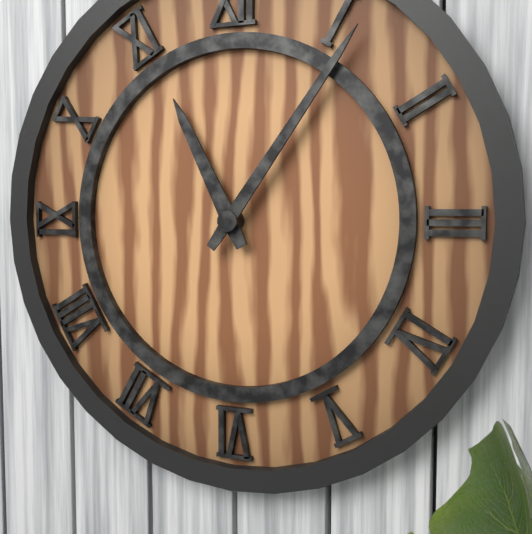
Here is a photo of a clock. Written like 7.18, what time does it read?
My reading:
11.06
